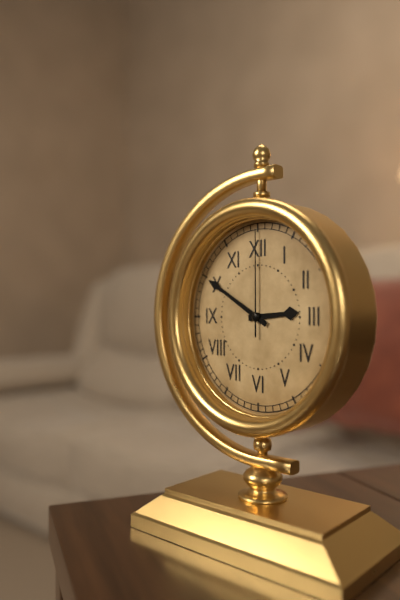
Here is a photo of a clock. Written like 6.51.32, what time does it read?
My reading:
2.50.00
